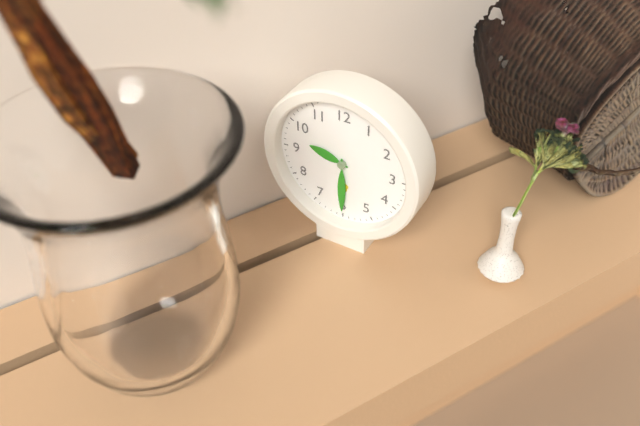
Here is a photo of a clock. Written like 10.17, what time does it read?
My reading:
9.30
